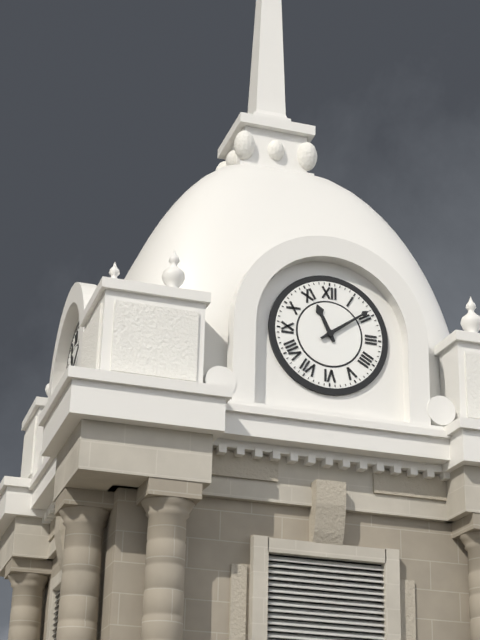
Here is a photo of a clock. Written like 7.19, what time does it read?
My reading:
11.09
